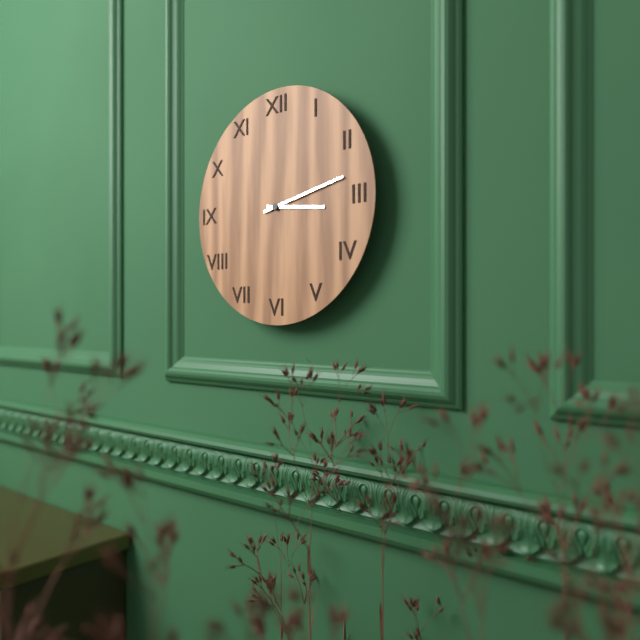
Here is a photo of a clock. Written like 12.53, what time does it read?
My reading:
3.13
